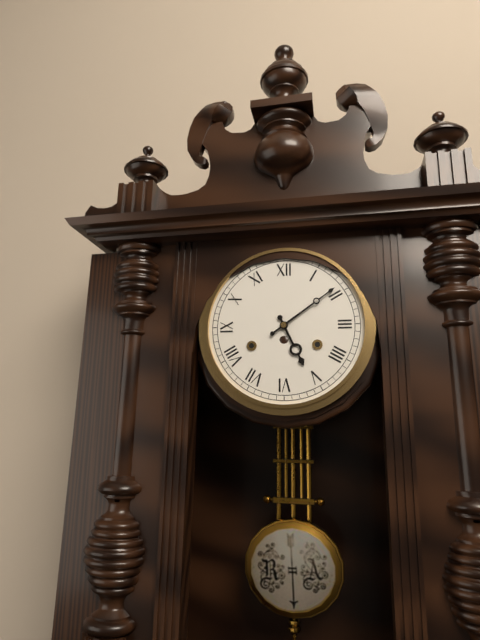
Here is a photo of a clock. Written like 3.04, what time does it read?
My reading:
5.09
